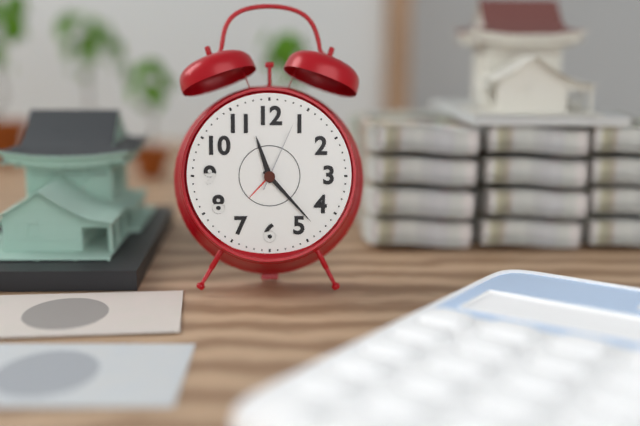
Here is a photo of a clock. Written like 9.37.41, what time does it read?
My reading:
11.23.04
